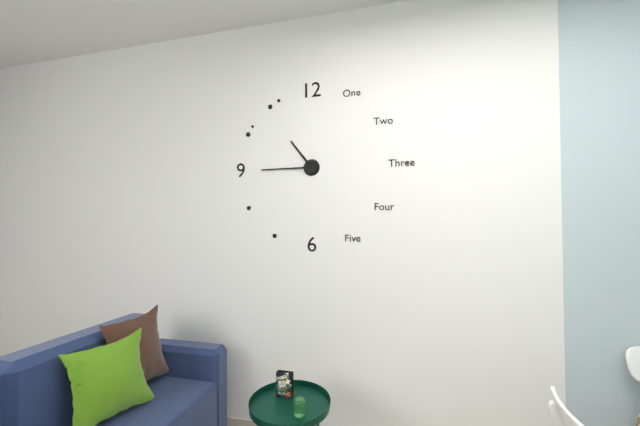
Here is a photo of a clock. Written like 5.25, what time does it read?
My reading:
10.45
